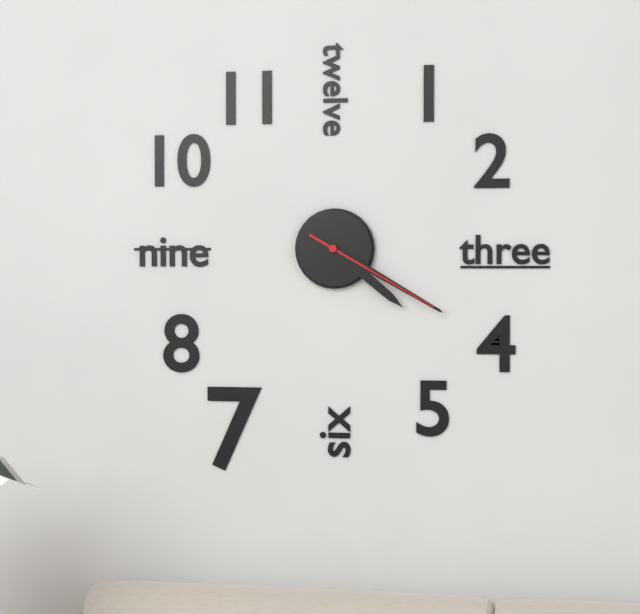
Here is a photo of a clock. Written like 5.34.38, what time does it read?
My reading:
4.20.20
